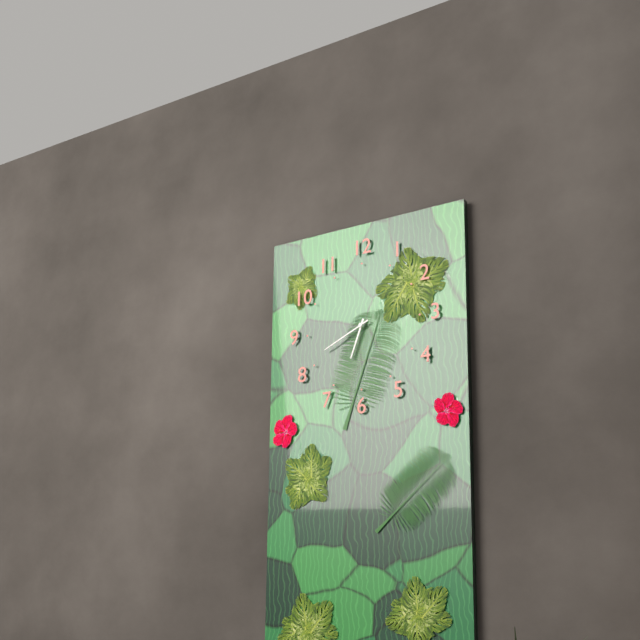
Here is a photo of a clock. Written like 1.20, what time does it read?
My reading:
6.41
